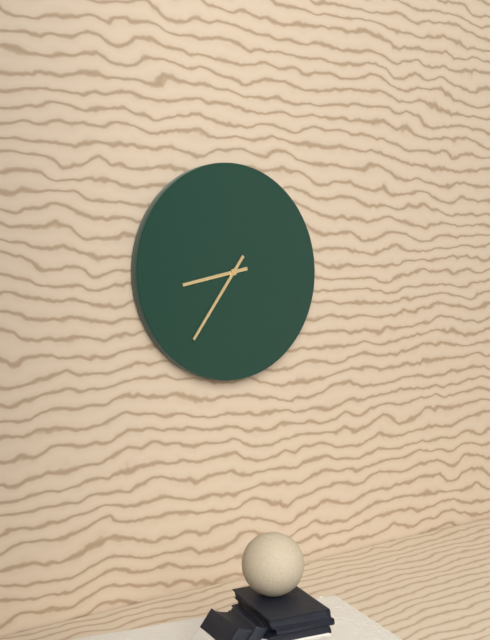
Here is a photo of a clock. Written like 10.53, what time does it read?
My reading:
8.36
